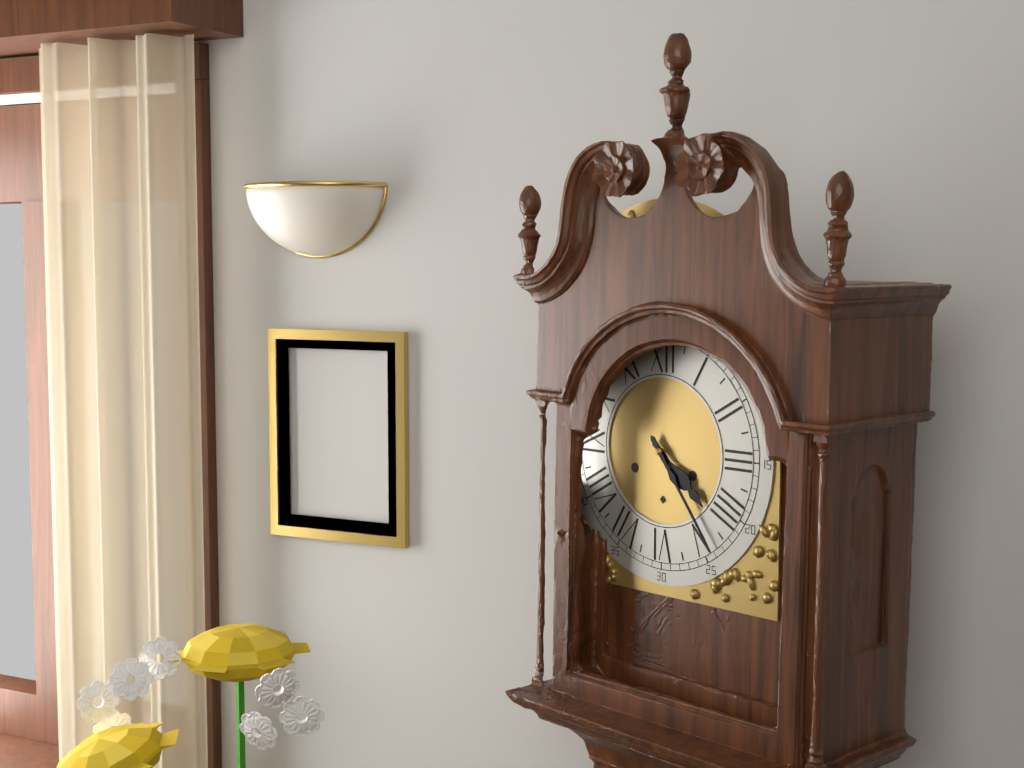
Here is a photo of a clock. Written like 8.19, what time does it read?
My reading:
4.24
